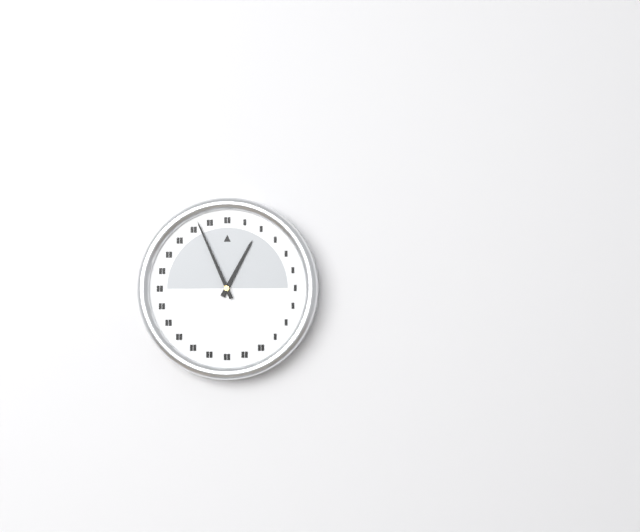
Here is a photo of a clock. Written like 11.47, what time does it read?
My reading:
12.56
